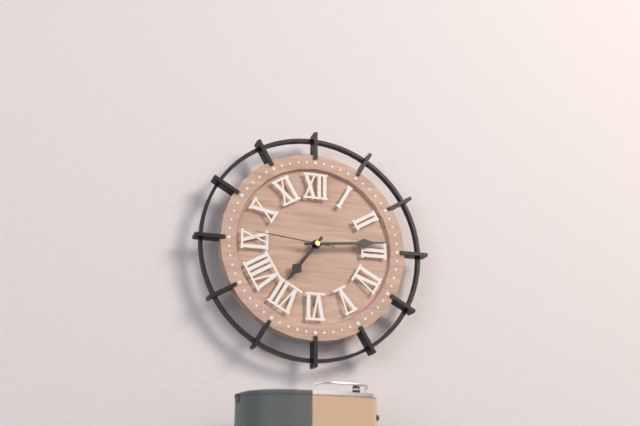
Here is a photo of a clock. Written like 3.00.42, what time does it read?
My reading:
7.14.46
